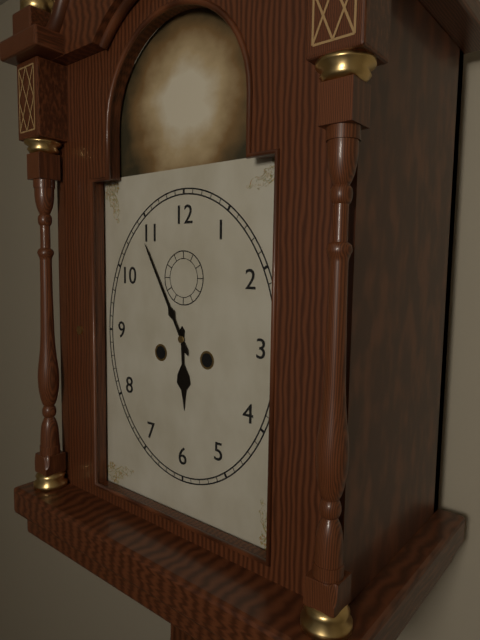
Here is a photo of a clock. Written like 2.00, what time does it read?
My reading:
5.55
